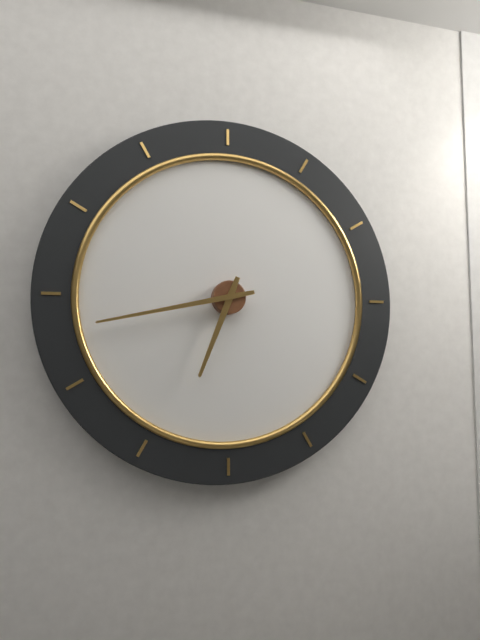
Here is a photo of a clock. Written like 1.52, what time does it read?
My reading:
6.43
